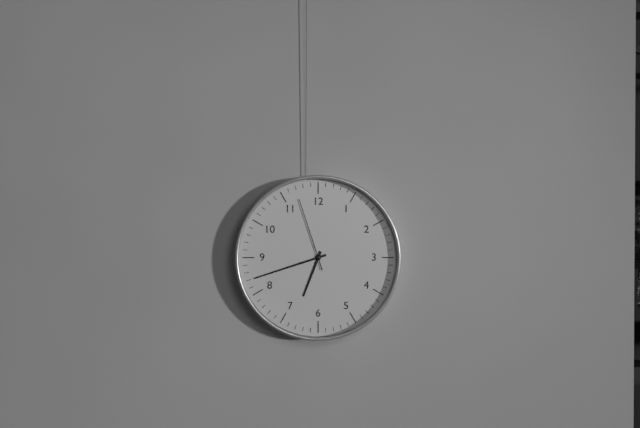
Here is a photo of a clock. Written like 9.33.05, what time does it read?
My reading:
6.42.57
